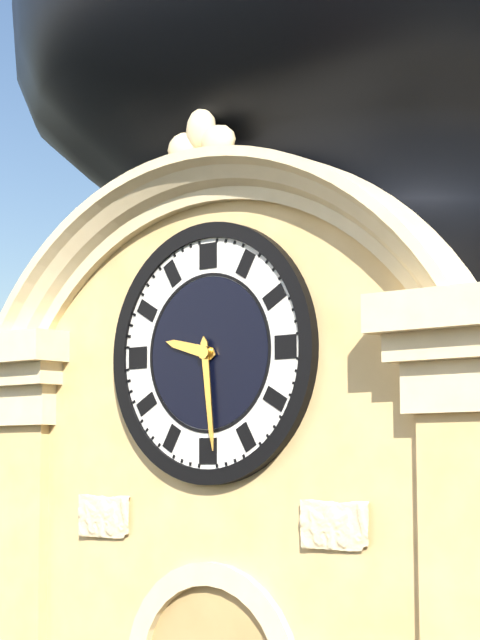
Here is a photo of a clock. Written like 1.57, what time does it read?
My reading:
9.29
